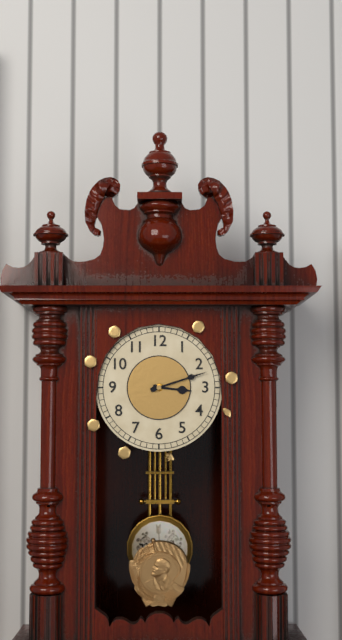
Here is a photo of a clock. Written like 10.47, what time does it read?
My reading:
3.12
